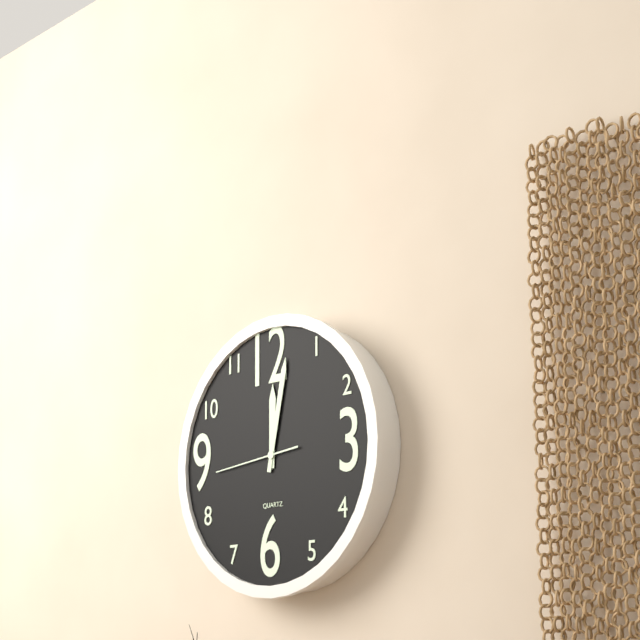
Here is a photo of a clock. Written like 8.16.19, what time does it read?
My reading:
12.02.44
